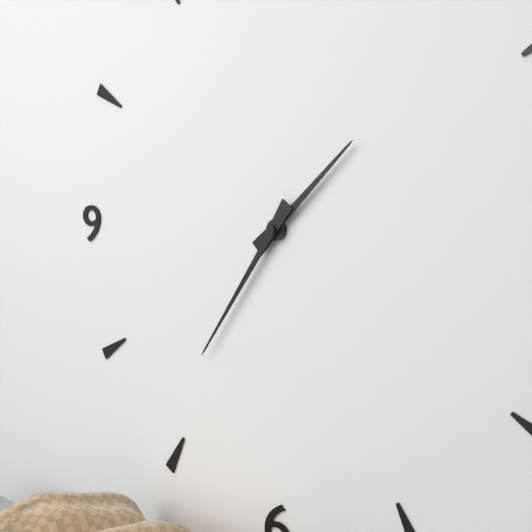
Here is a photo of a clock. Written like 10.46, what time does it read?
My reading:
1.36
